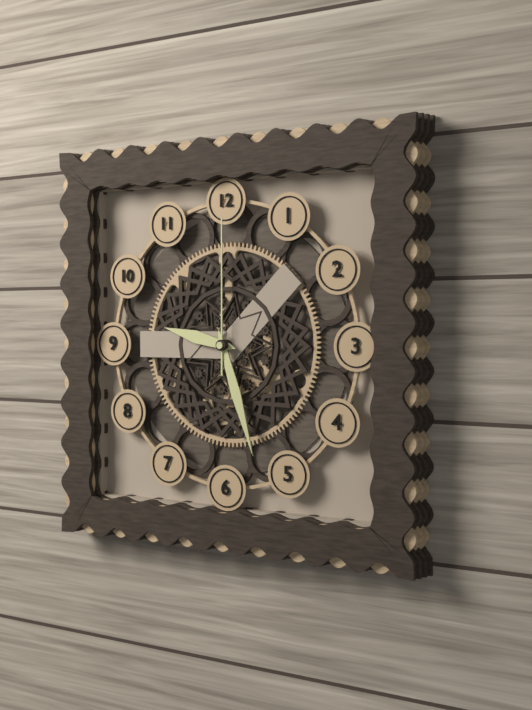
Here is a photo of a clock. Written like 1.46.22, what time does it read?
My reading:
9.27.00
